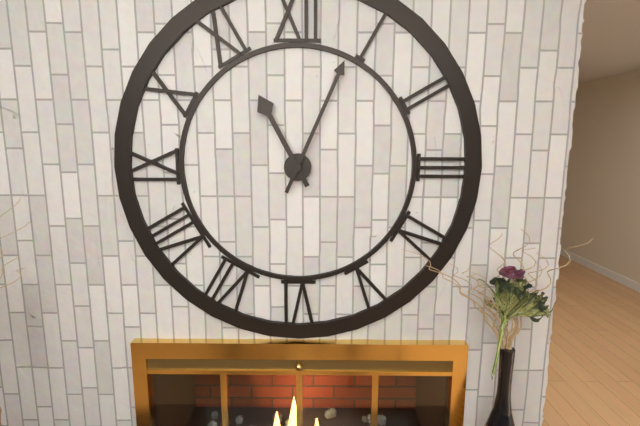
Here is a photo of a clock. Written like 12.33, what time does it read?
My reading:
11.04
